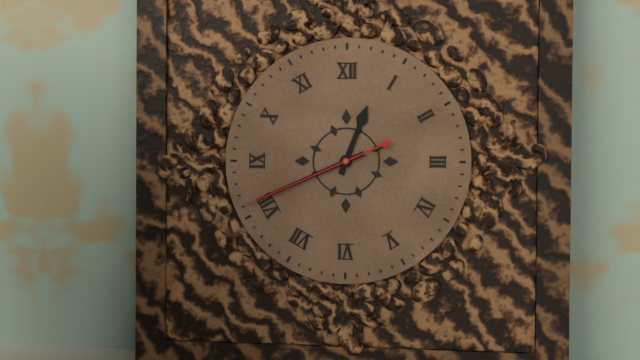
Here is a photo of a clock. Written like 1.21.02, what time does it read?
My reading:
12.41.41
